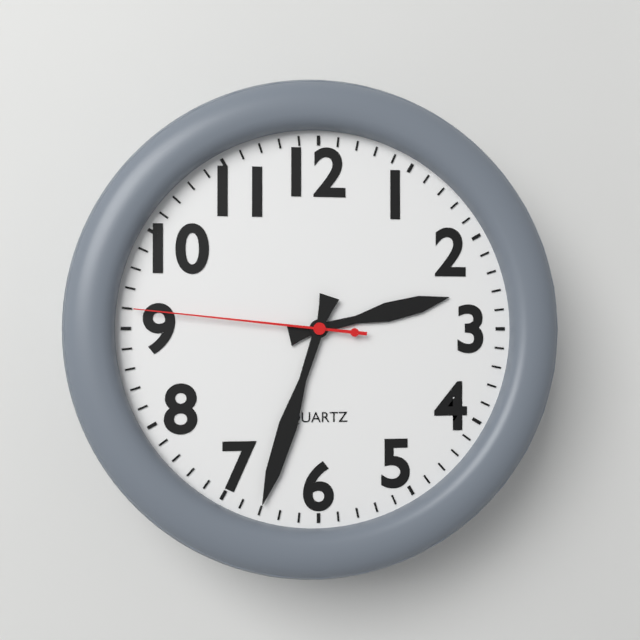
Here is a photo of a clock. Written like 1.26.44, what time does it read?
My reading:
2.33.46
